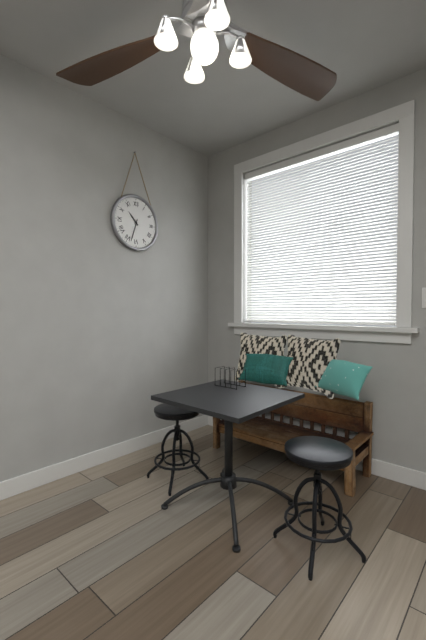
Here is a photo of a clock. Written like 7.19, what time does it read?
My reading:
10.33
